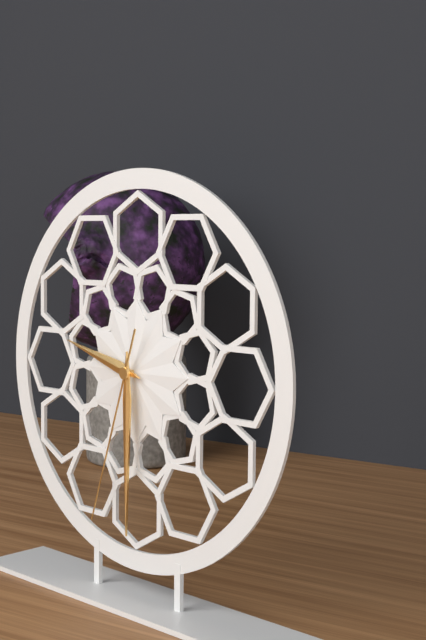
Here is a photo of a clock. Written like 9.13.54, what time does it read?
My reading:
9.30.33
